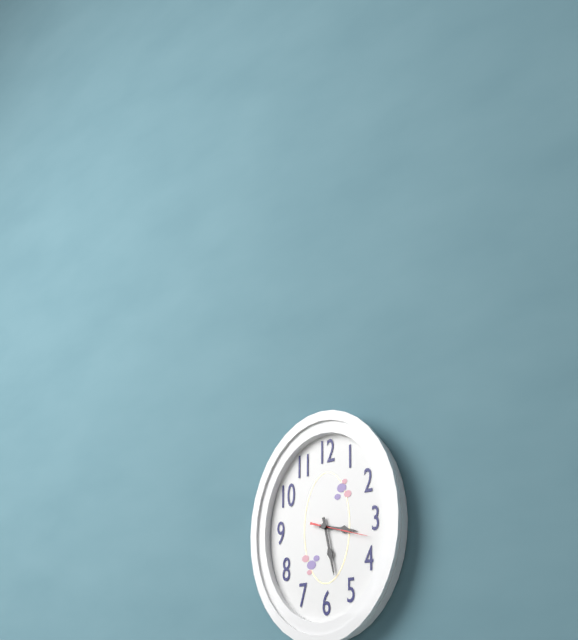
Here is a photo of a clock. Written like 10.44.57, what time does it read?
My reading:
3.28.18
